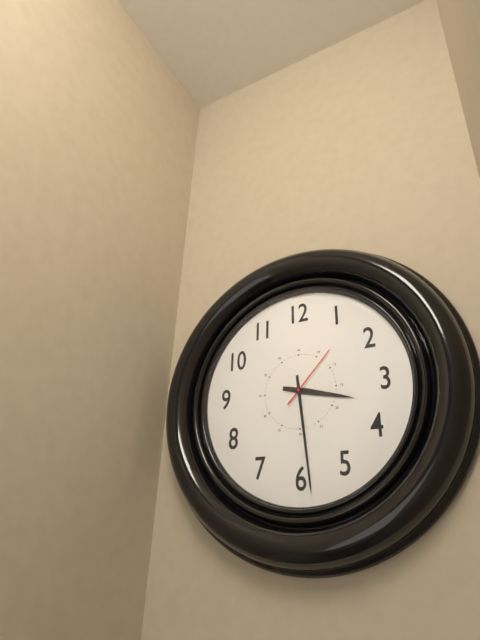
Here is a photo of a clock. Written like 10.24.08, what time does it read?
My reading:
3.29.07
